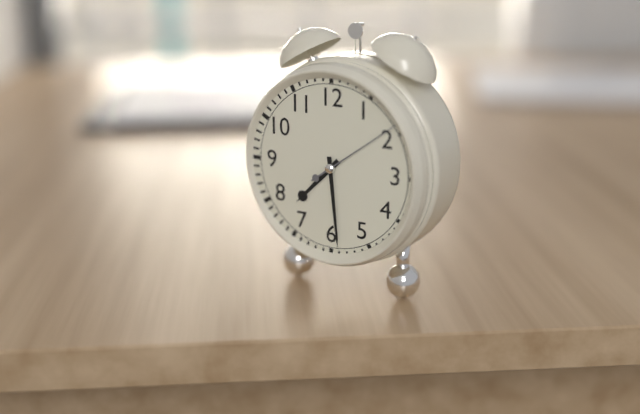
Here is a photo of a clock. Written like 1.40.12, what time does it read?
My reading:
7.29.09
